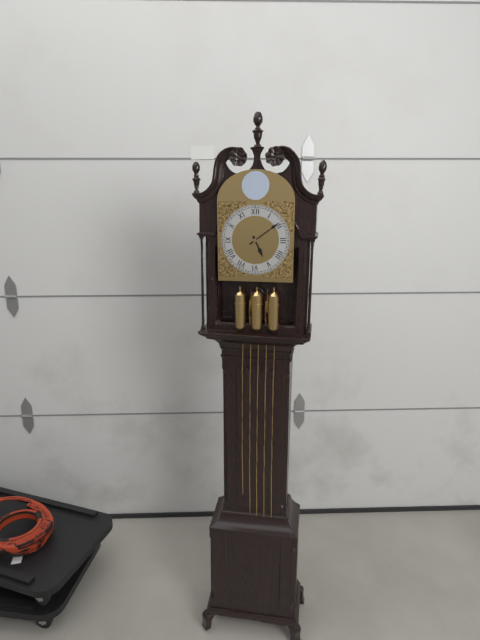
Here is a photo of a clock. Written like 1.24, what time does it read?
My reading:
5.09
